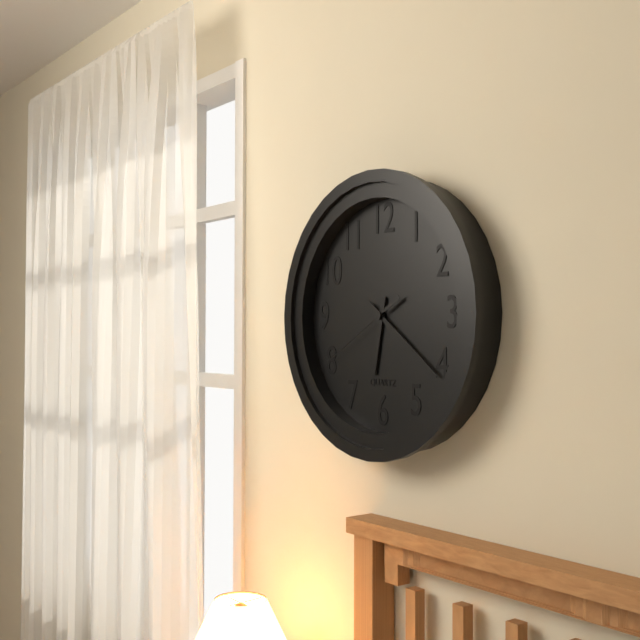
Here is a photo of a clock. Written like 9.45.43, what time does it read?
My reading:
6.21.40
